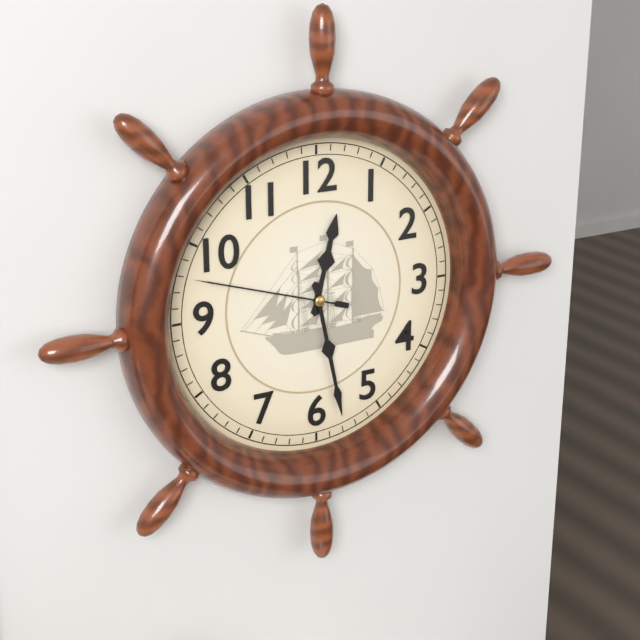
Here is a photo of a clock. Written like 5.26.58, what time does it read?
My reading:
12.28.48
